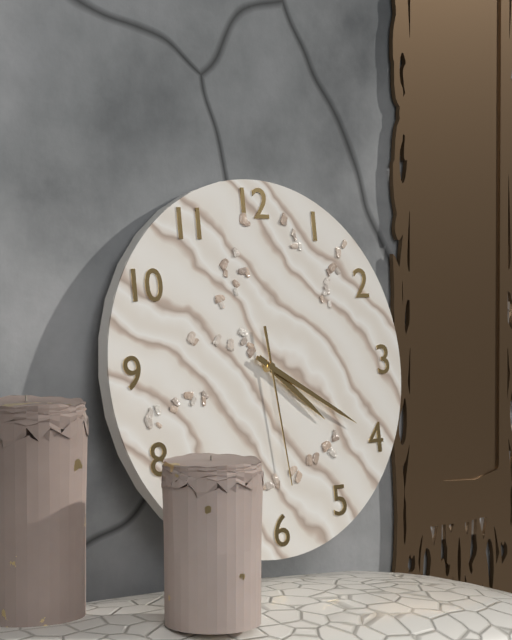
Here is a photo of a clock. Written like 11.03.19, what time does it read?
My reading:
4.20.29
